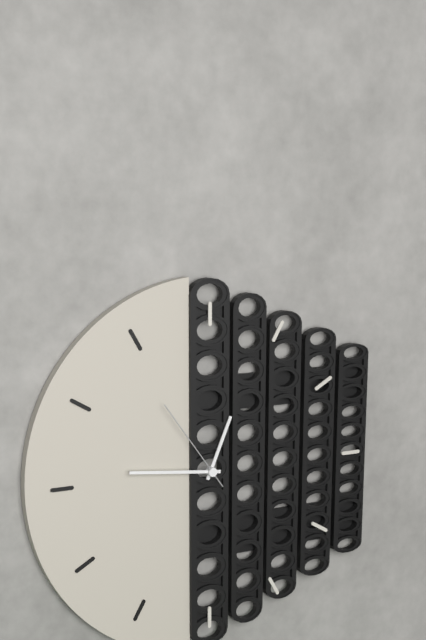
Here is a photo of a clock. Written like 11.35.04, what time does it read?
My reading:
12.46.54
